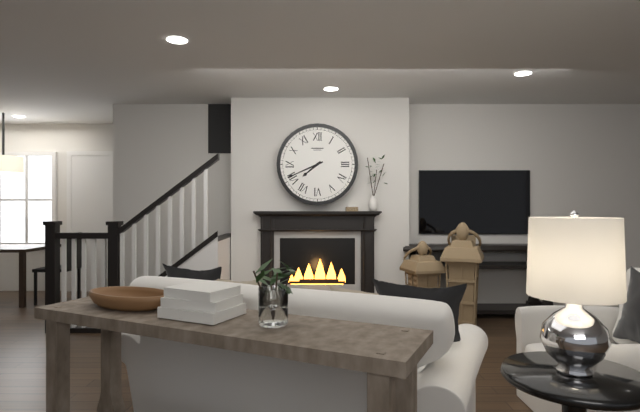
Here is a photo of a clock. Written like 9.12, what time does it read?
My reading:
7.41
